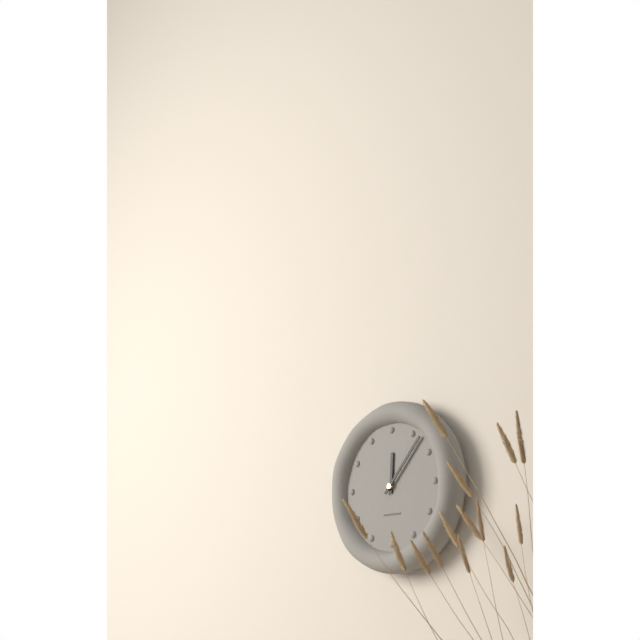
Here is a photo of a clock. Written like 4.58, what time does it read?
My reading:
12.07
